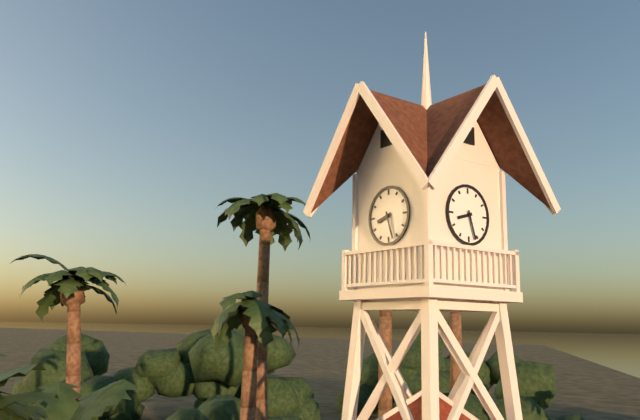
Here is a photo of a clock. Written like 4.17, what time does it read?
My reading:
8.27
